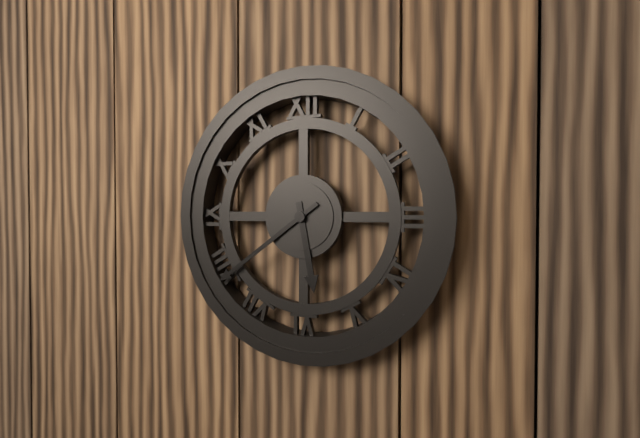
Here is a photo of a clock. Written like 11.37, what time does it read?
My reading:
5.39
